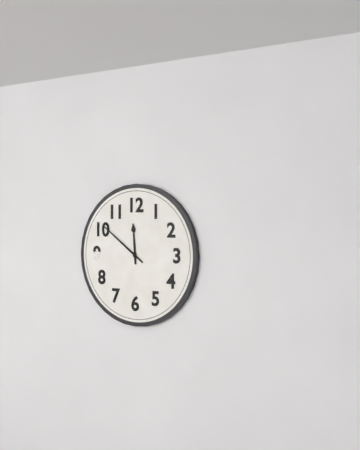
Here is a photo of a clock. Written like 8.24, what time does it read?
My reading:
11.51
